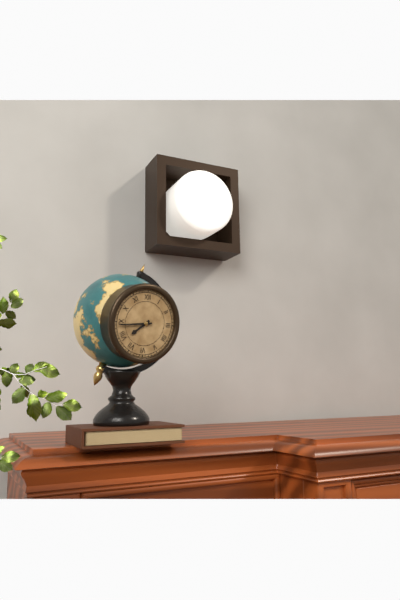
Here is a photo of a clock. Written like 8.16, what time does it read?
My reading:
7.44
